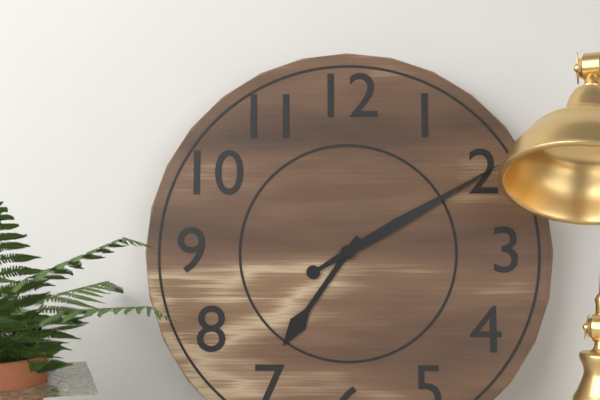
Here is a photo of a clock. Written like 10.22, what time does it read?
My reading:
7.10
